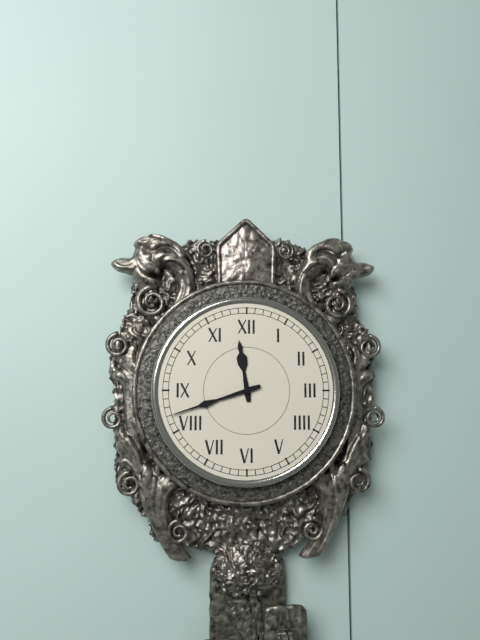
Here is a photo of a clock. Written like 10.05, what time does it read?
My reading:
11.42
